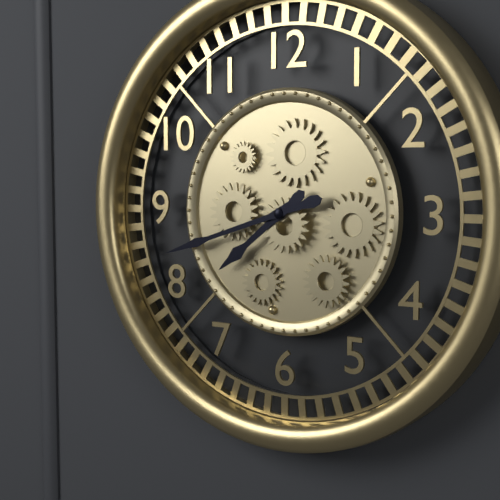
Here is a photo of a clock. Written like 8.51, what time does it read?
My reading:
7.42
